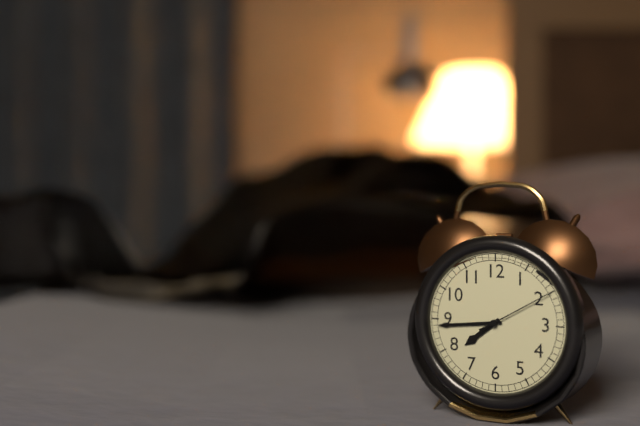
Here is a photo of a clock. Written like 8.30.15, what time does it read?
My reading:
7.44.10
